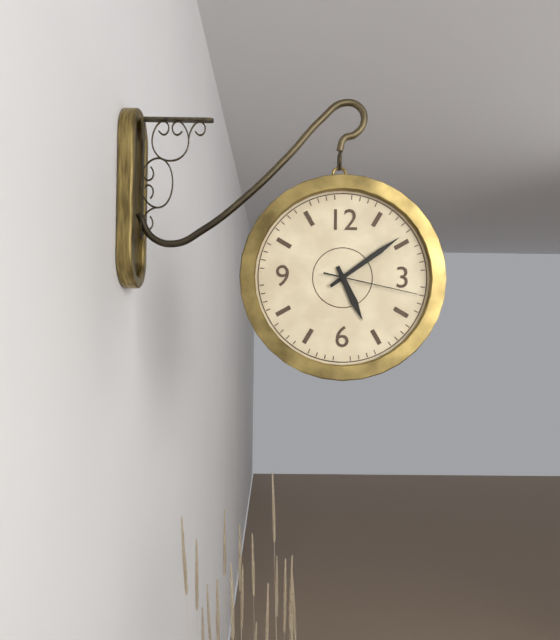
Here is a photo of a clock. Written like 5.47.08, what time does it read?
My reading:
5.09.17
